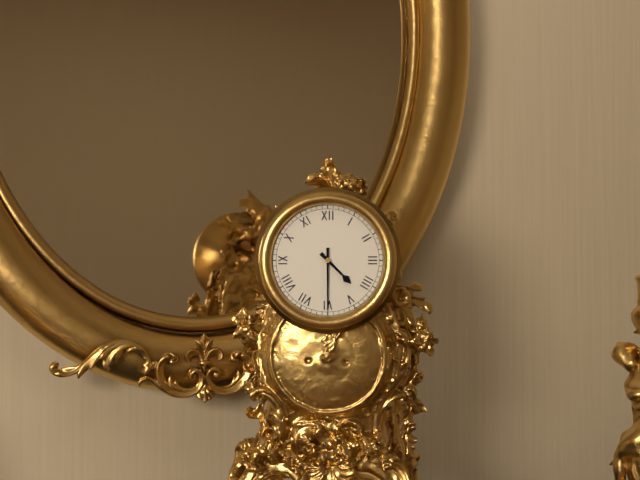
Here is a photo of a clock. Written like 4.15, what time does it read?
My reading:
4.30
